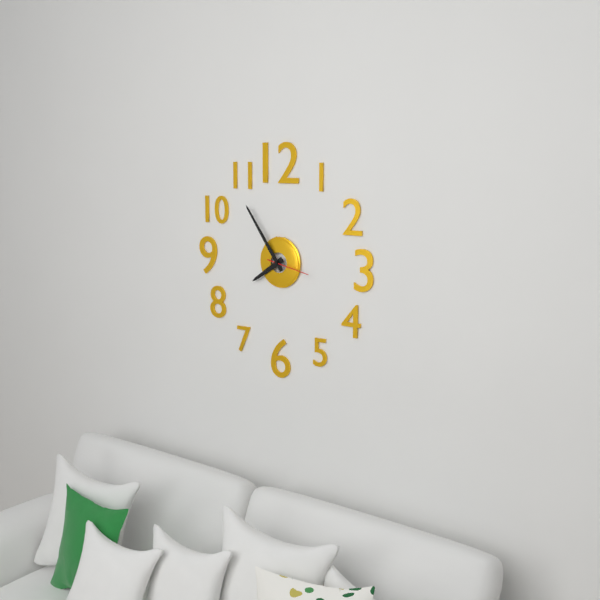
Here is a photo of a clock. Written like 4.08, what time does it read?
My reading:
7.54
